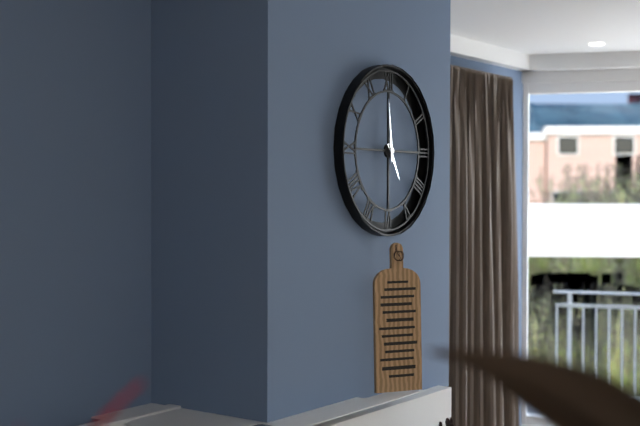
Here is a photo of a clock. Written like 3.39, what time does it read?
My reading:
4.59
